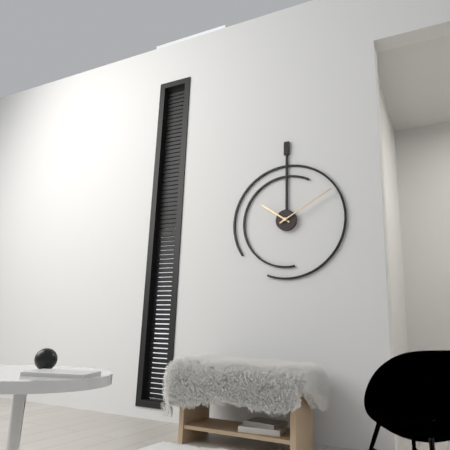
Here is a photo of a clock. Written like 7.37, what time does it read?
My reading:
10.10
